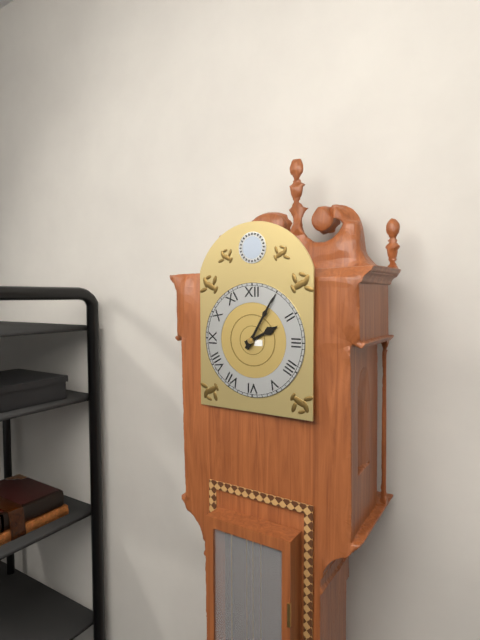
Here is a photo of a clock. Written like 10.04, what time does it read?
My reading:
2.05
